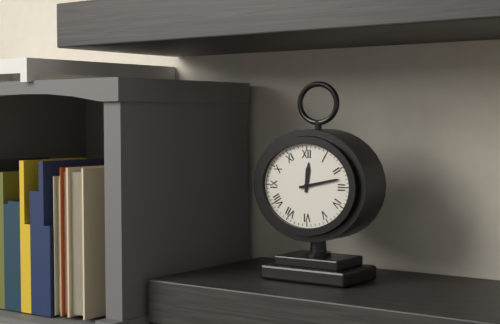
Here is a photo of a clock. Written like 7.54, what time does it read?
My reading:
12.13
